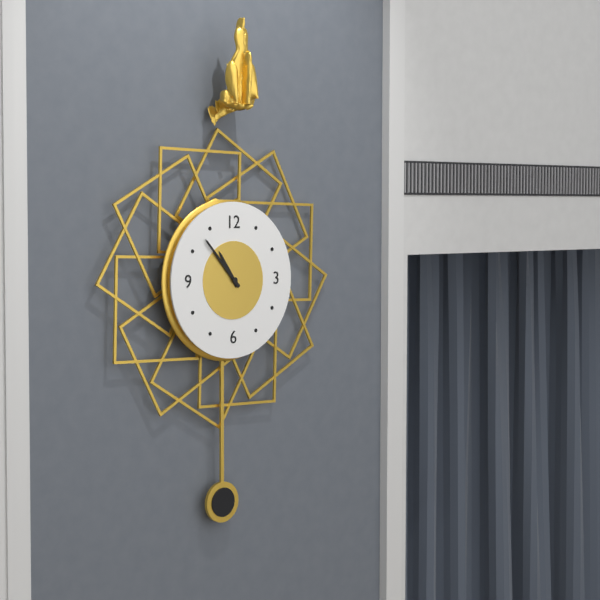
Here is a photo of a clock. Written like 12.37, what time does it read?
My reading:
10.53
